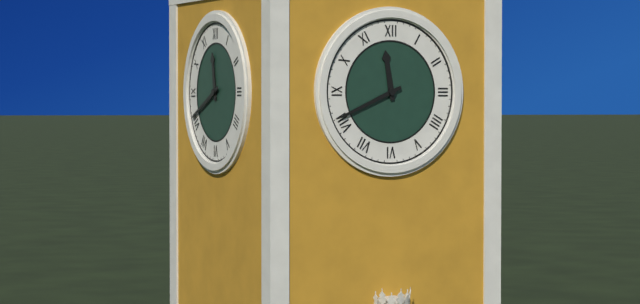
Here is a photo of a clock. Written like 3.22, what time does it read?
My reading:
11.41
